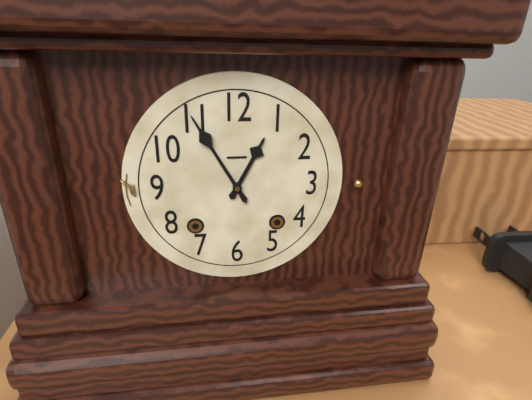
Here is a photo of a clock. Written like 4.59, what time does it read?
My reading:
12.55
